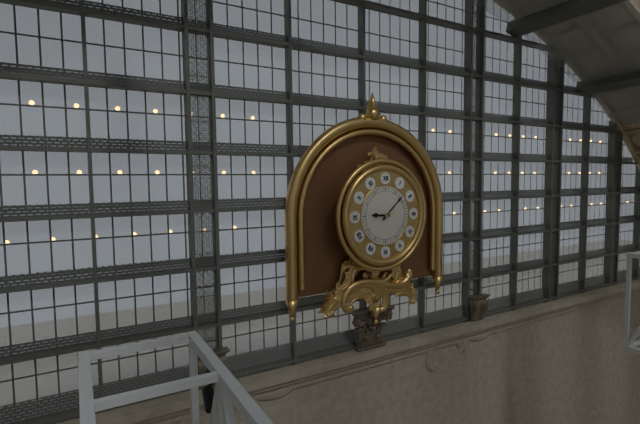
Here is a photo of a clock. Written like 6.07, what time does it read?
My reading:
9.08
